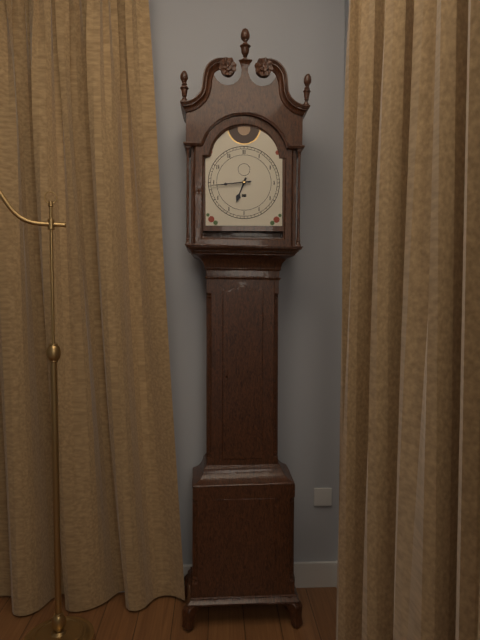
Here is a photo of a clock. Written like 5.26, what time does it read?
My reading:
6.44
